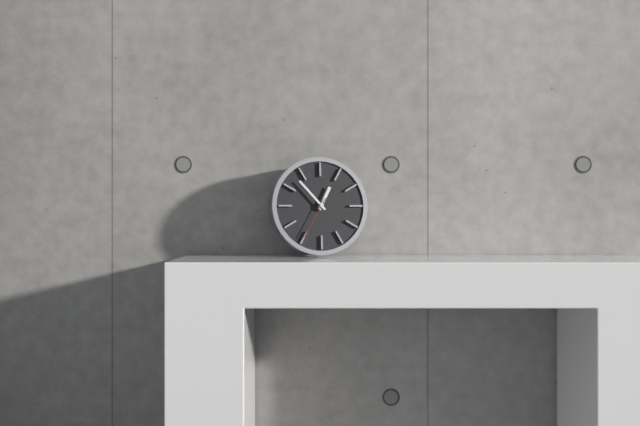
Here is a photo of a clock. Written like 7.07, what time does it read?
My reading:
12.53
